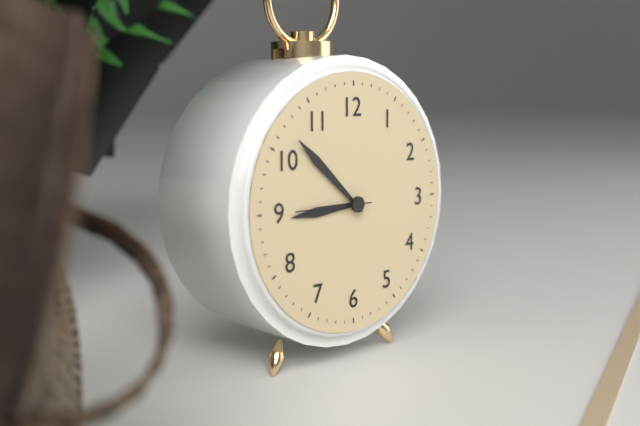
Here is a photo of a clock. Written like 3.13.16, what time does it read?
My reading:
8.52.45
